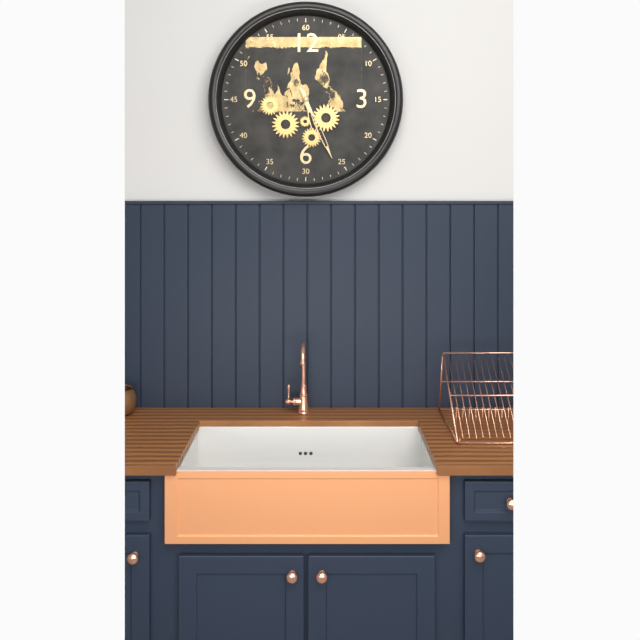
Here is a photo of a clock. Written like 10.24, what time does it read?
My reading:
5.26
